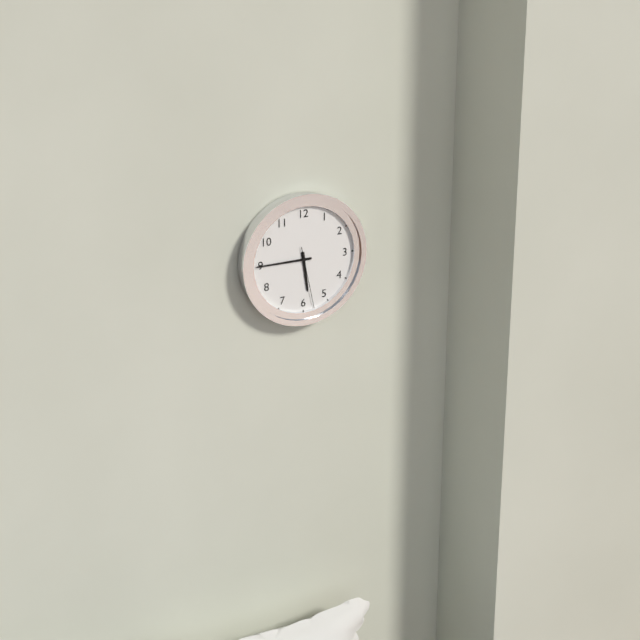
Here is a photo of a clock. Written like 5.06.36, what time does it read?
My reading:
5.45.28
